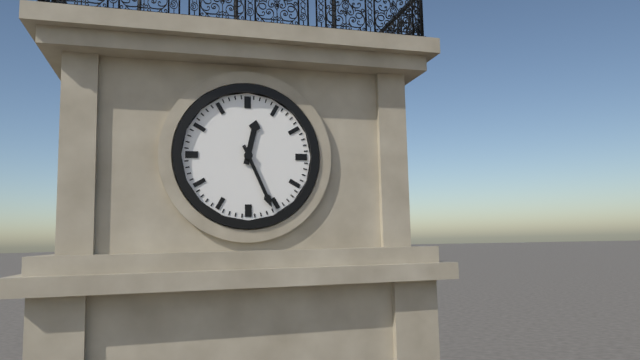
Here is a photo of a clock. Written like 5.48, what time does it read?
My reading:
12.26
